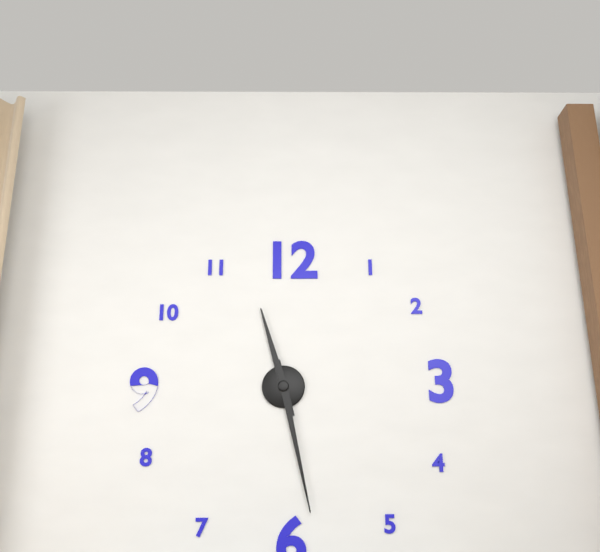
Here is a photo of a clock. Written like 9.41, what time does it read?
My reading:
11.28
